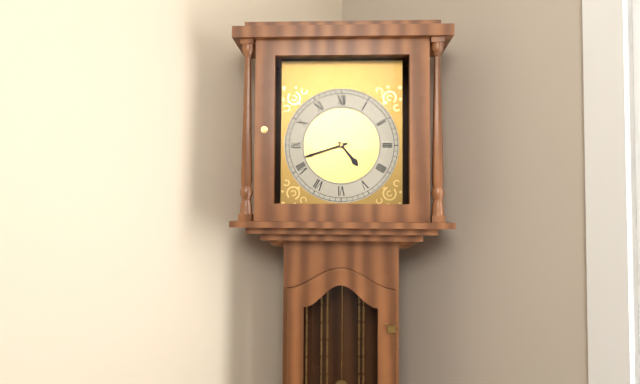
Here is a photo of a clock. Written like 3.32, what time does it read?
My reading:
4.42
